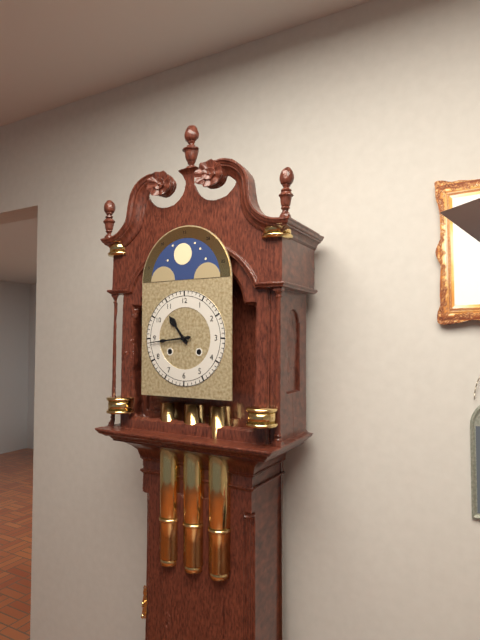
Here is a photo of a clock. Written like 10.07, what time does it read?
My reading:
10.44
